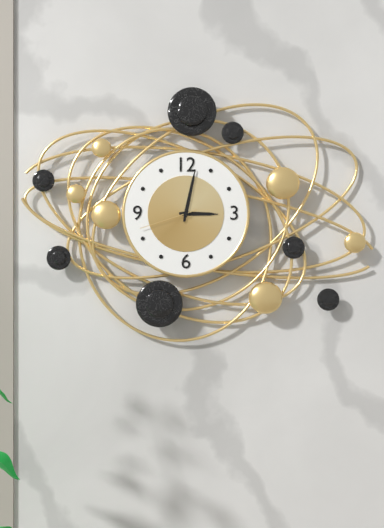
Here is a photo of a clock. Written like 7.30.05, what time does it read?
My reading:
3.02.42
